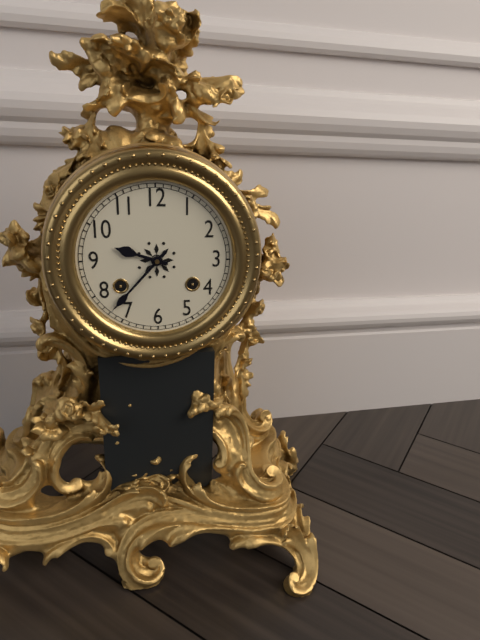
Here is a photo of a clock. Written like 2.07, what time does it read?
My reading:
9.37
